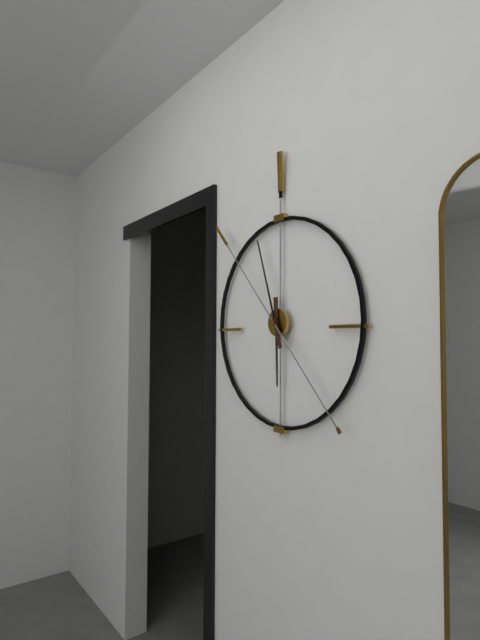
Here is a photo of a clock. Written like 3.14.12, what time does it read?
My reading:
5.57.53
